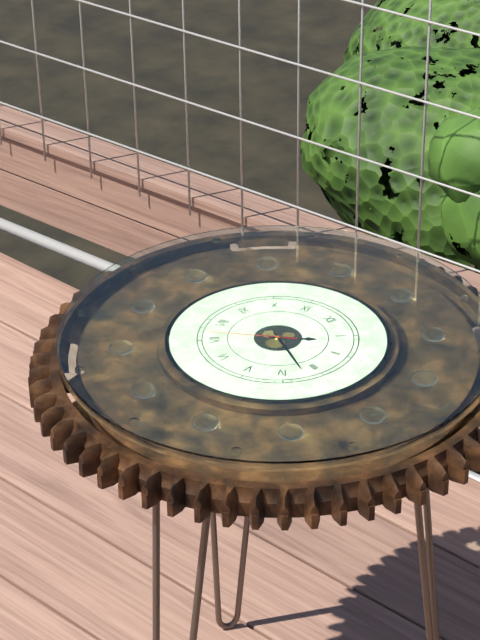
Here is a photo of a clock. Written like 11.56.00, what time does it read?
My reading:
1.17.37
